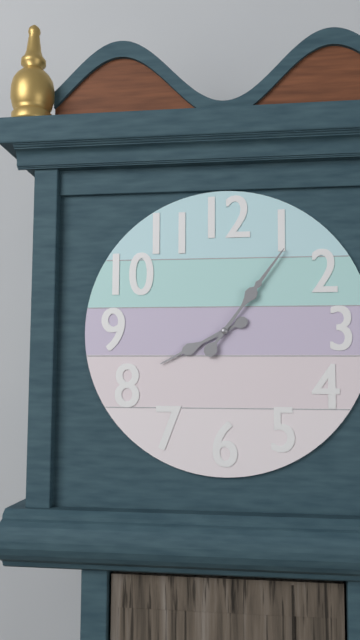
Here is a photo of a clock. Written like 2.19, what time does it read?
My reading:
8.06
